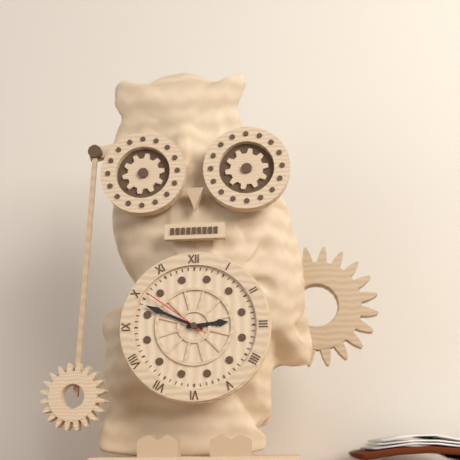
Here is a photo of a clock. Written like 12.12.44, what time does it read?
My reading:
2.49.51
